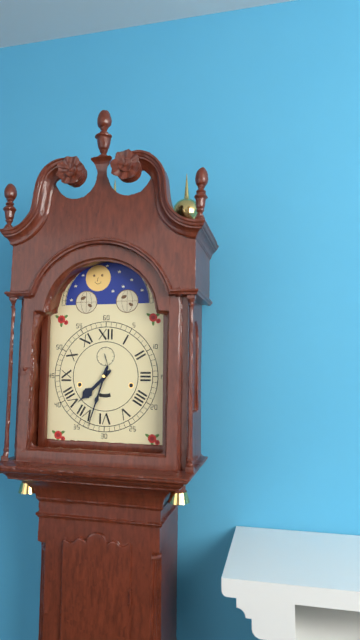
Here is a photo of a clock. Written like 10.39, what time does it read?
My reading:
7.33
